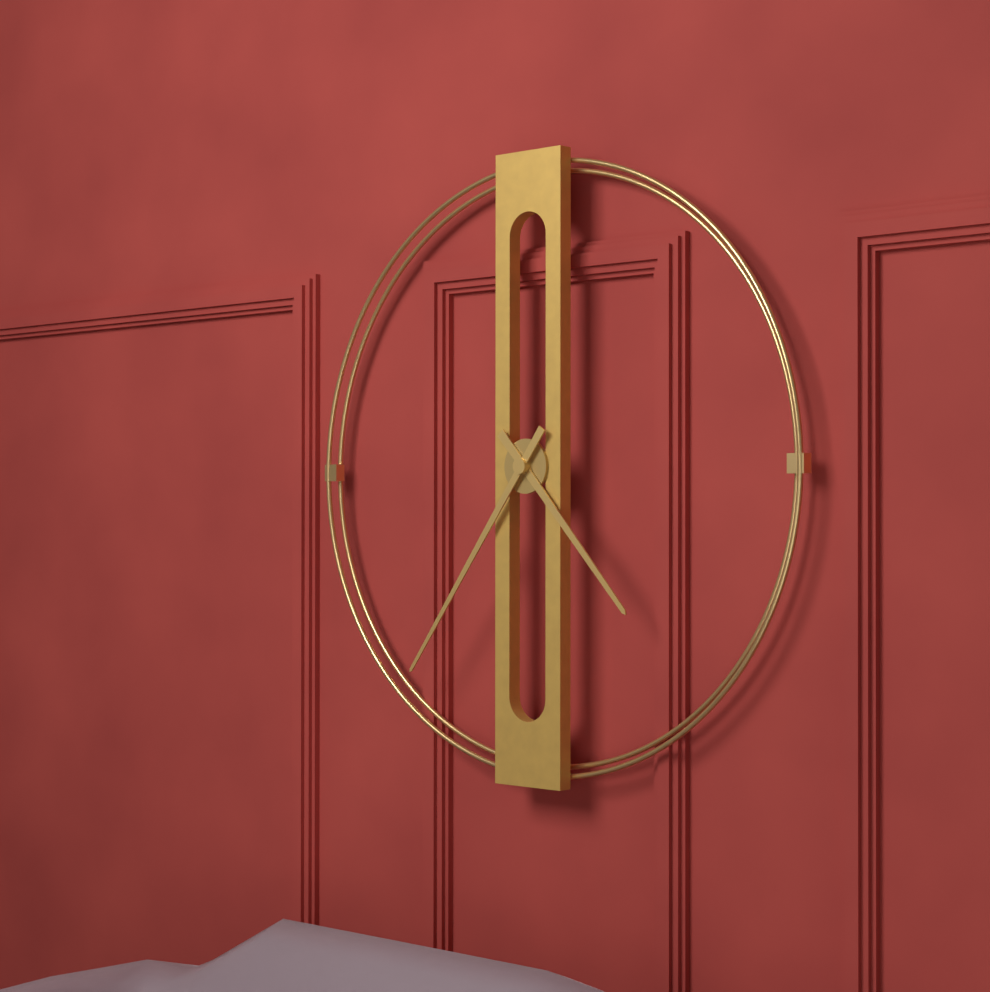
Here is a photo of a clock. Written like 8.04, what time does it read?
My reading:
4.36
